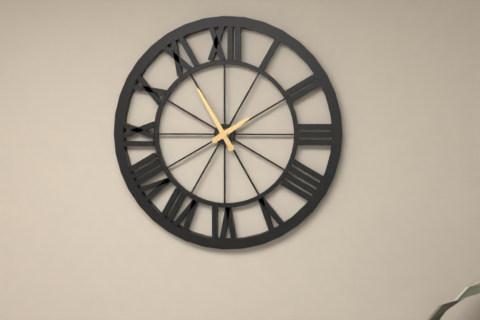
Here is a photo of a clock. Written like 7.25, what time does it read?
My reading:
1.55
